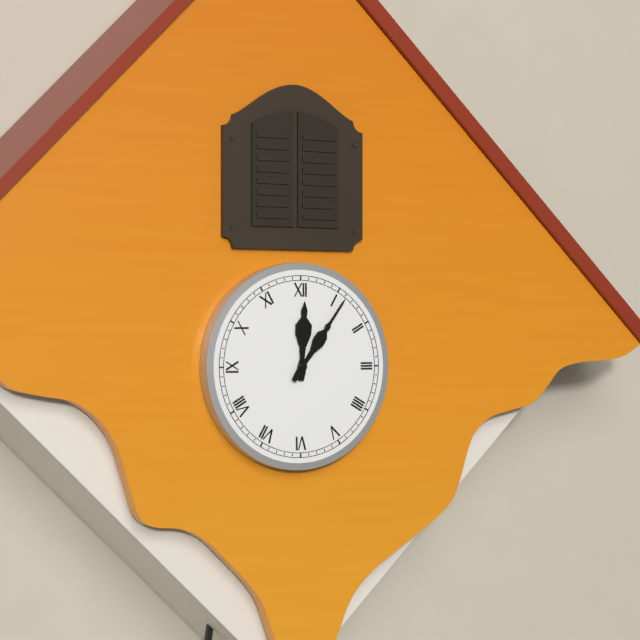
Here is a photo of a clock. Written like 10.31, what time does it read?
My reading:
12.06
